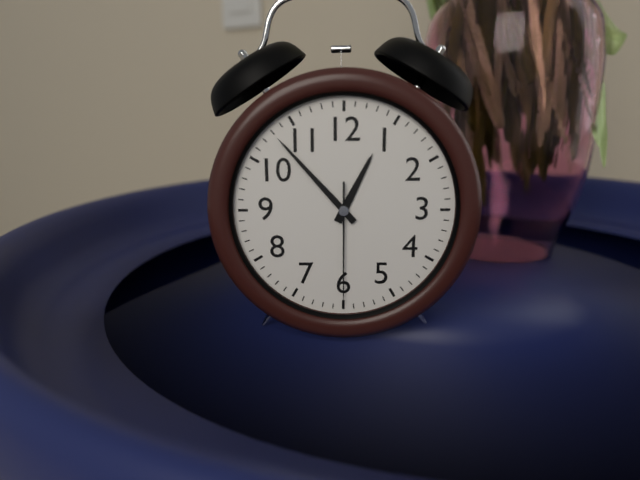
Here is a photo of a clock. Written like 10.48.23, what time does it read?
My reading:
12.53.30
